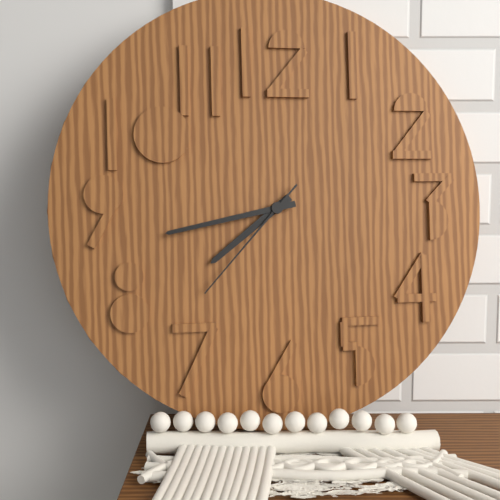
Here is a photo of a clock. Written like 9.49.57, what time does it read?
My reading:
7.43.37
